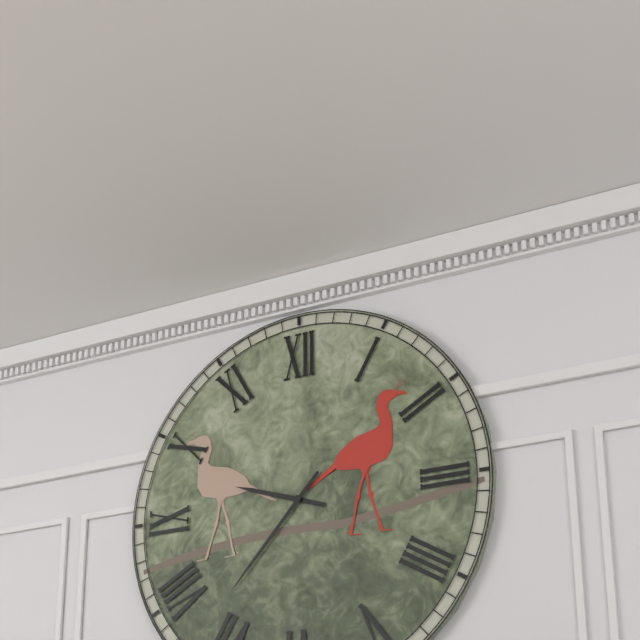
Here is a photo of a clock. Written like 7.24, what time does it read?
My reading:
9.37
